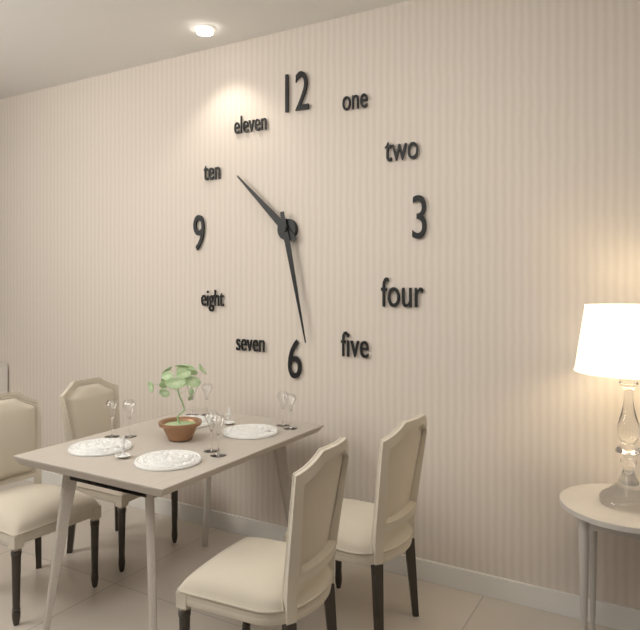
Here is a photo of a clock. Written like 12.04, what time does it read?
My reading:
10.28
